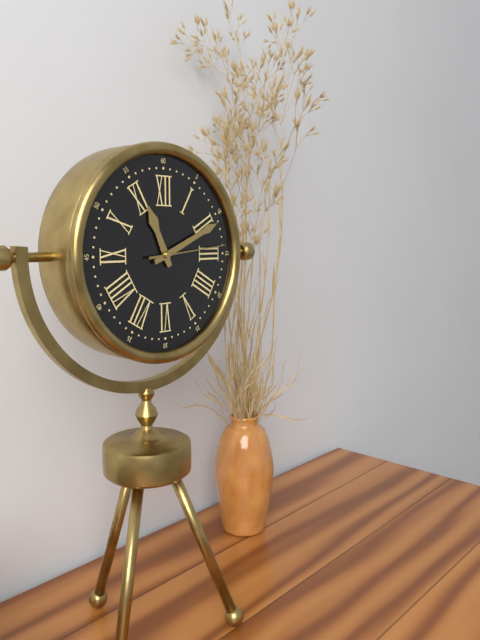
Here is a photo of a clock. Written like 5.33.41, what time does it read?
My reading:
11.11.14
